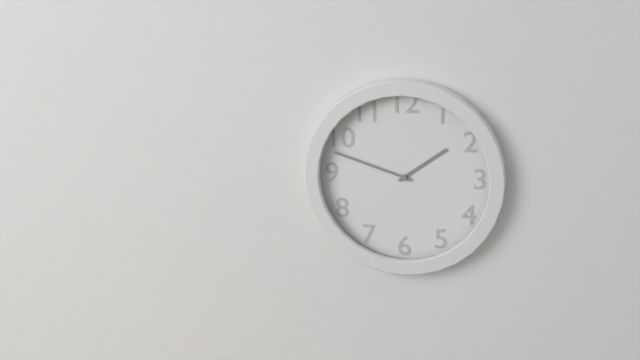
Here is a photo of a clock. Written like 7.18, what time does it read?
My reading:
1.48
